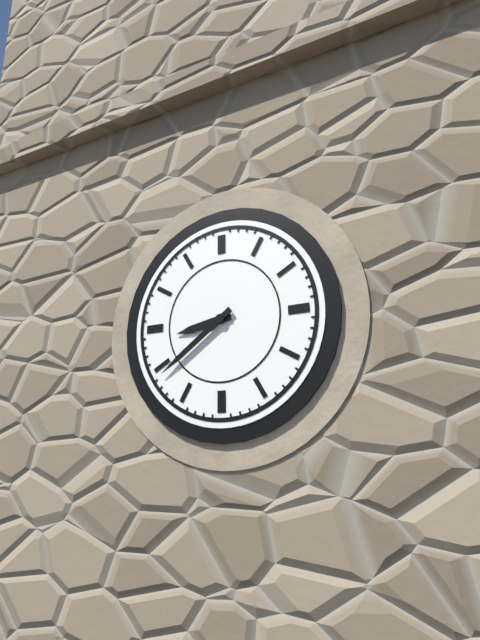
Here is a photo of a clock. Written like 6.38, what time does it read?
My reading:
8.39
